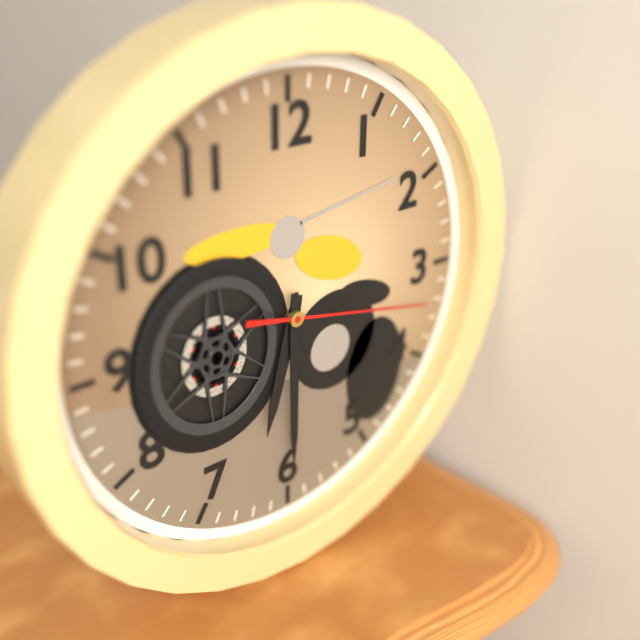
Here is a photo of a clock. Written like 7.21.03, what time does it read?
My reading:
6.30.17
